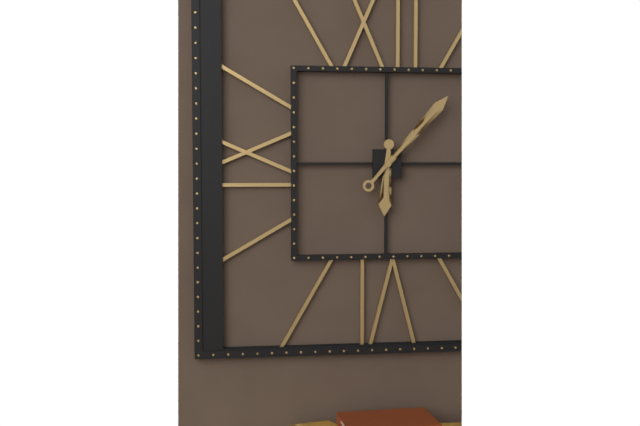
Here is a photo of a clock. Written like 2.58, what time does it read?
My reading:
6.07
